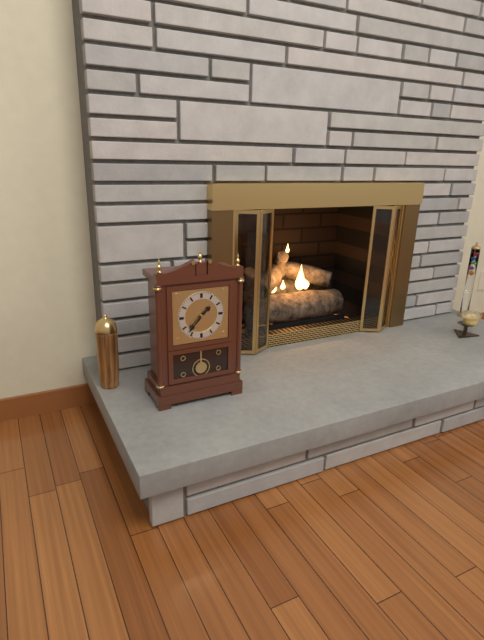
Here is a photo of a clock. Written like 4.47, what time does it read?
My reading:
1.37
